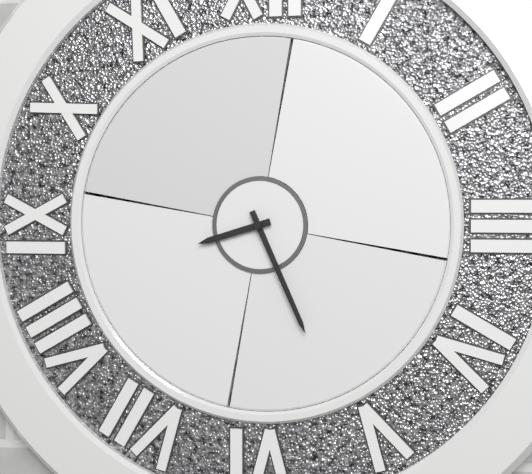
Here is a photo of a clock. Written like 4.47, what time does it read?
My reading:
8.26
